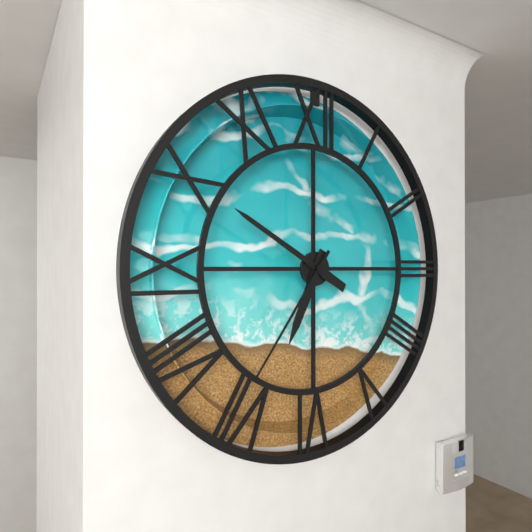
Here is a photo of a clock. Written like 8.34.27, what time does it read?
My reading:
6.50.36
